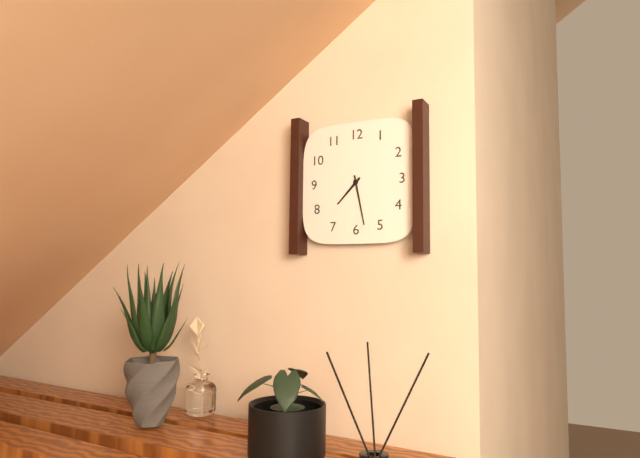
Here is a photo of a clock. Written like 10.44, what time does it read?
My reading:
7.28
